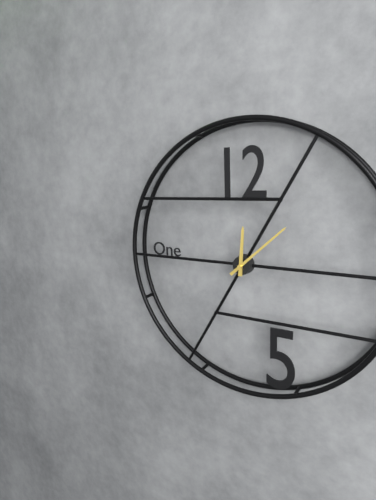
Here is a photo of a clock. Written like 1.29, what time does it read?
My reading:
12.08
